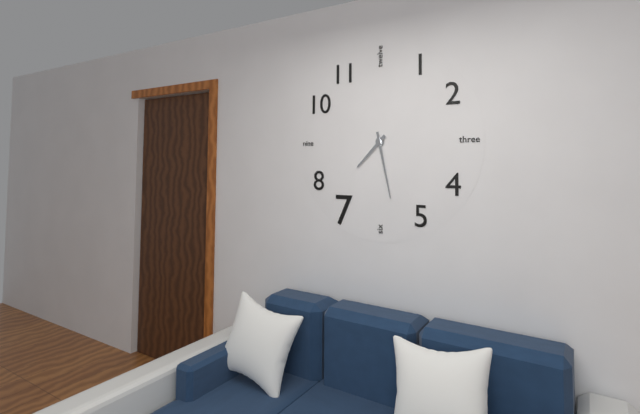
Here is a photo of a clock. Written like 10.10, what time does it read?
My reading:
7.28
